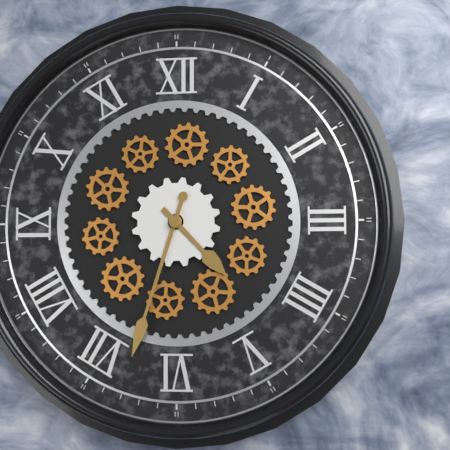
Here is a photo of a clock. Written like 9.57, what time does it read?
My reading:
4.33
